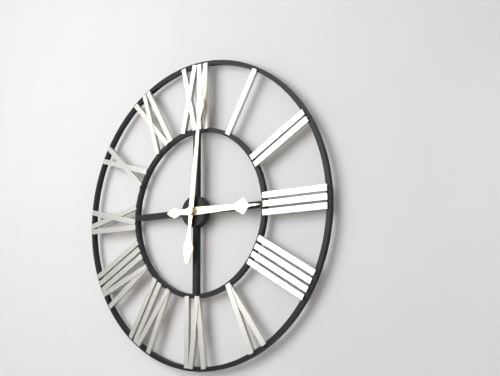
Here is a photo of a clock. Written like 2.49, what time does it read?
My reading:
3.01
